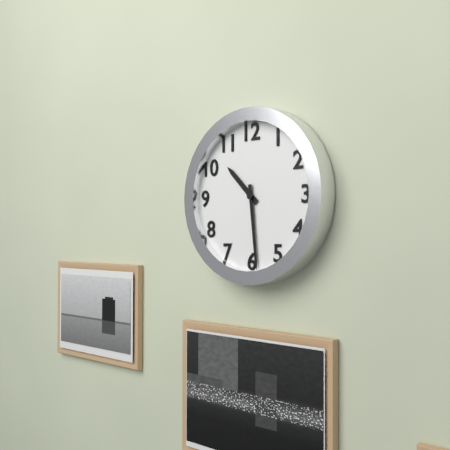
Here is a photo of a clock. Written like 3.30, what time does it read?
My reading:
10.29
